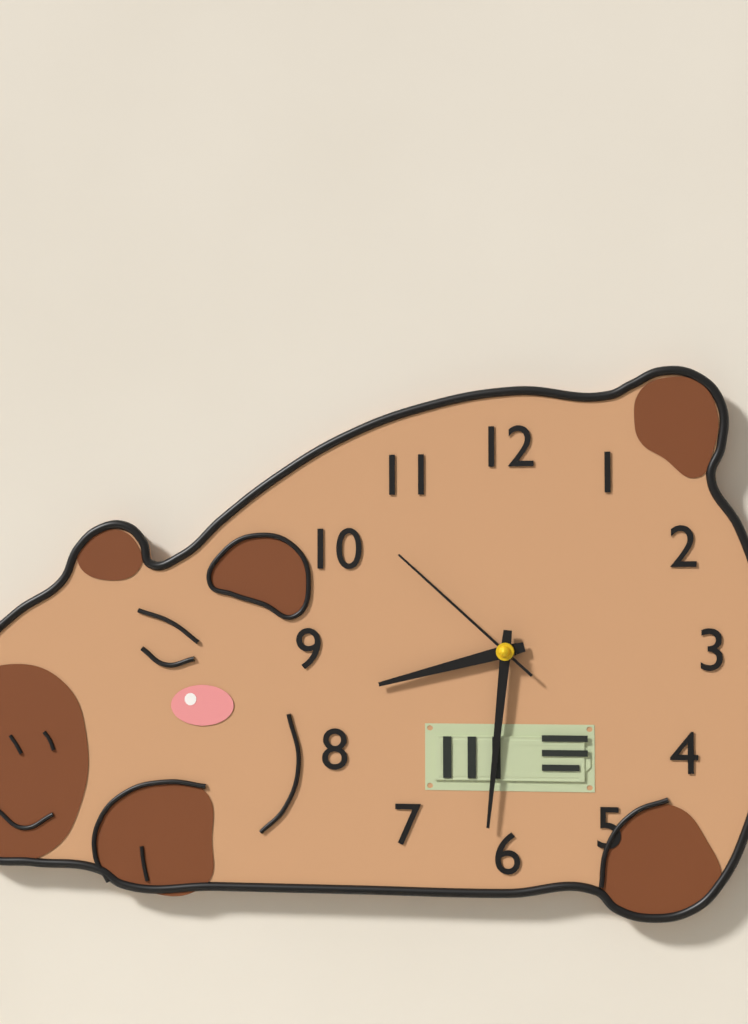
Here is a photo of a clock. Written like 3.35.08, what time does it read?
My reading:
8.31.52
